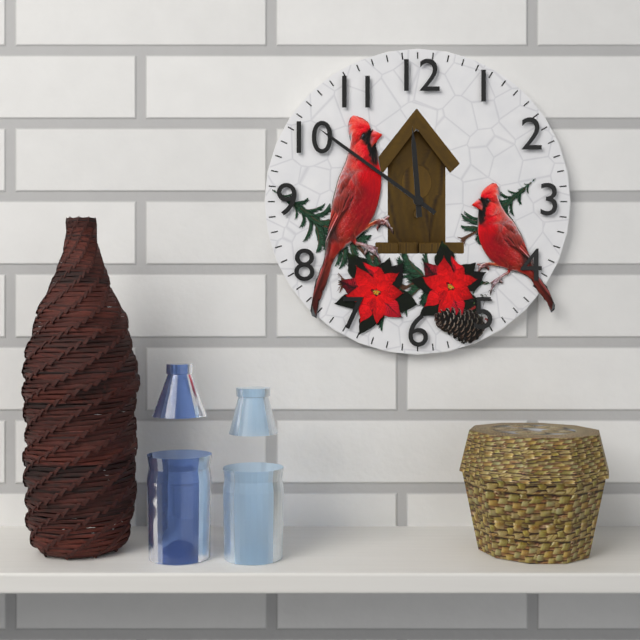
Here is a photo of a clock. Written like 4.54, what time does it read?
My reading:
11.51
